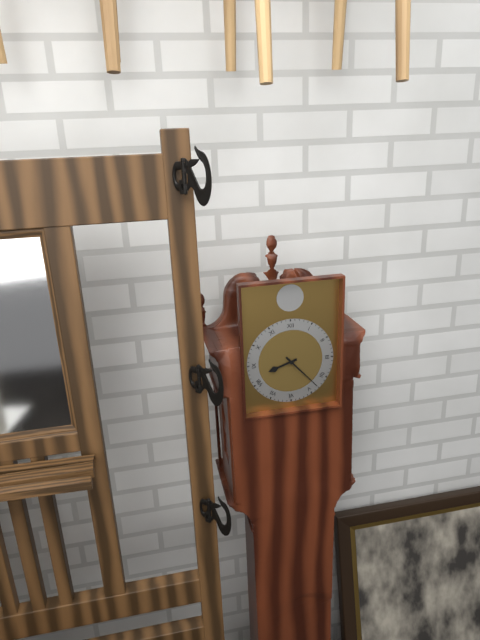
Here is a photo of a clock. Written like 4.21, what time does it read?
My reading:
8.23
